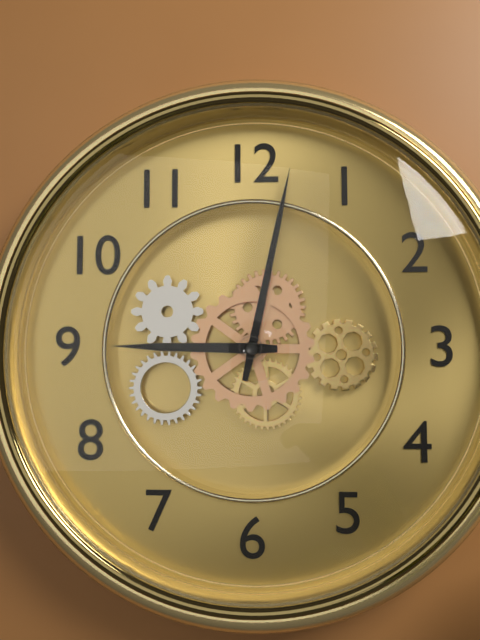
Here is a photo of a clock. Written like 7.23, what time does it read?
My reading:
9.02
